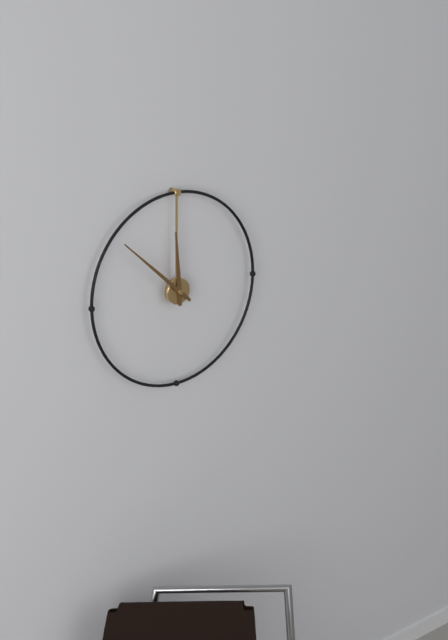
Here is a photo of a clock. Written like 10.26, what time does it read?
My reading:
11.52
